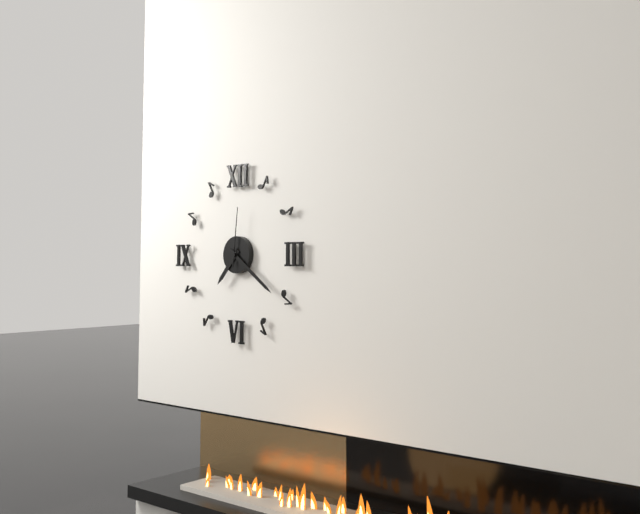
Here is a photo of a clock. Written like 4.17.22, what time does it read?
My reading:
7.21.01
